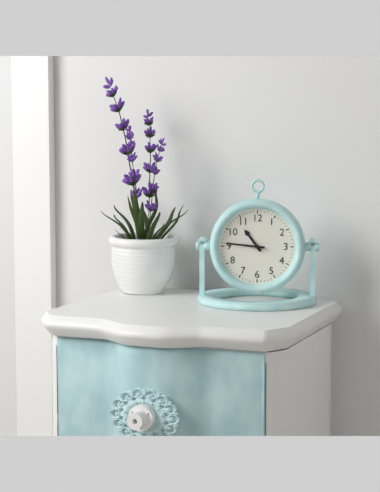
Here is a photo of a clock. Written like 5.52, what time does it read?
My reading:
10.46
